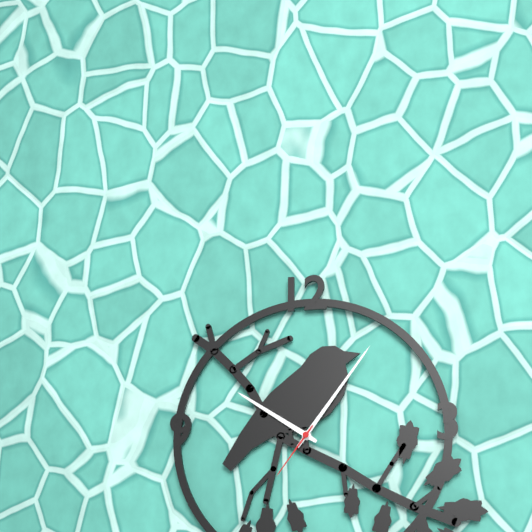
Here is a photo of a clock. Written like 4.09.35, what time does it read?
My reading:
10.06.36
